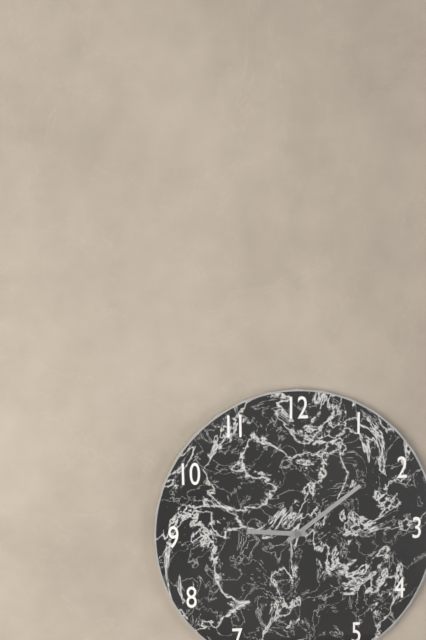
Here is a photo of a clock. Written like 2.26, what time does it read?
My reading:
9.09
